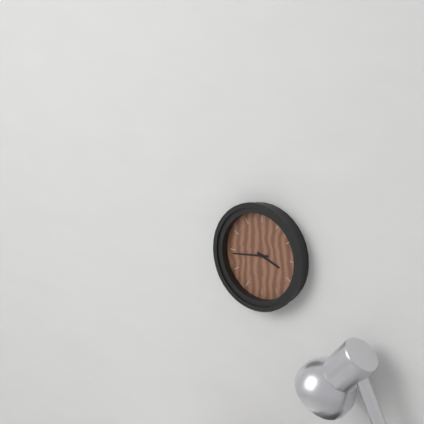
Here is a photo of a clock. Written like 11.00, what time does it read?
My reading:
3.44
